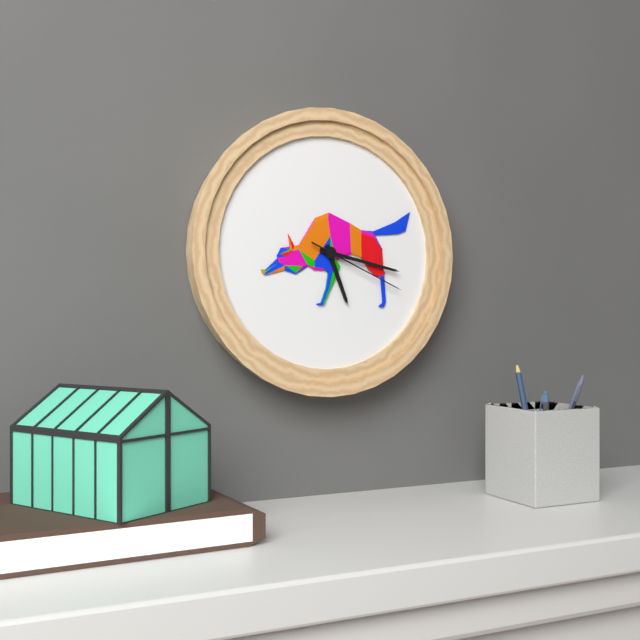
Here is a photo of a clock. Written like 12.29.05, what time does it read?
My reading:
5.17.19
